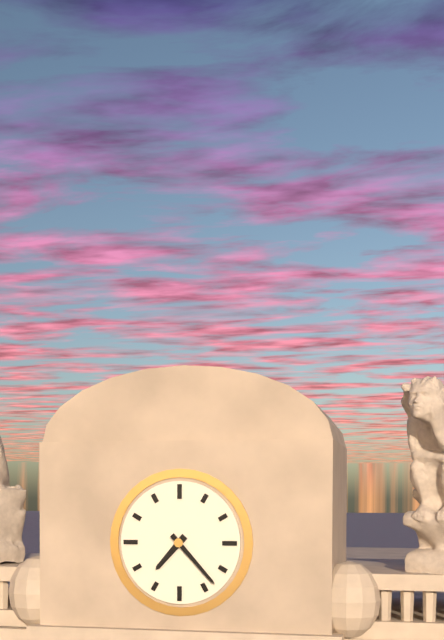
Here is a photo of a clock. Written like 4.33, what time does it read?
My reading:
7.23
